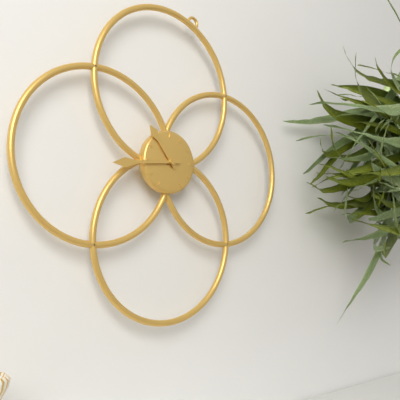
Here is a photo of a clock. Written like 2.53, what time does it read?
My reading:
10.44
